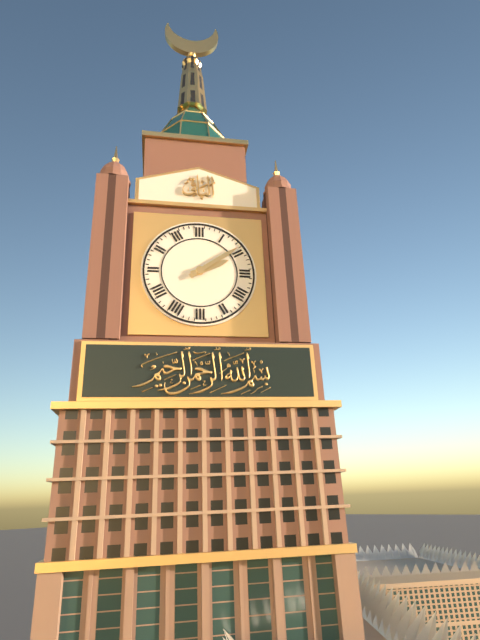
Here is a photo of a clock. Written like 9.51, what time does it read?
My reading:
2.09
